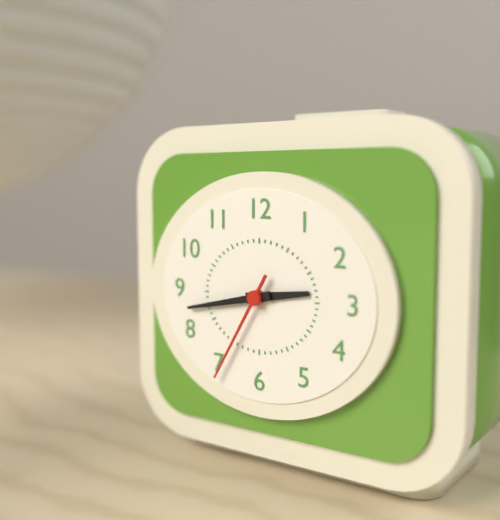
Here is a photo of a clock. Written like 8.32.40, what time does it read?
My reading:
2.43.35
